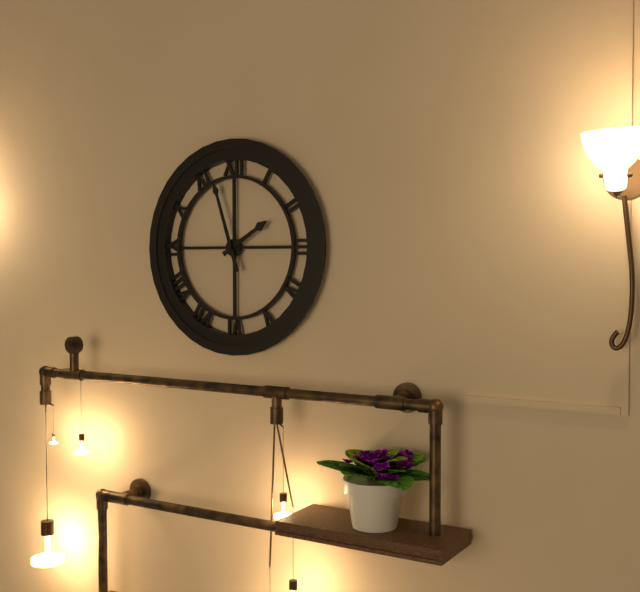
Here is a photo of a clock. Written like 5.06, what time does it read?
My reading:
1.57
